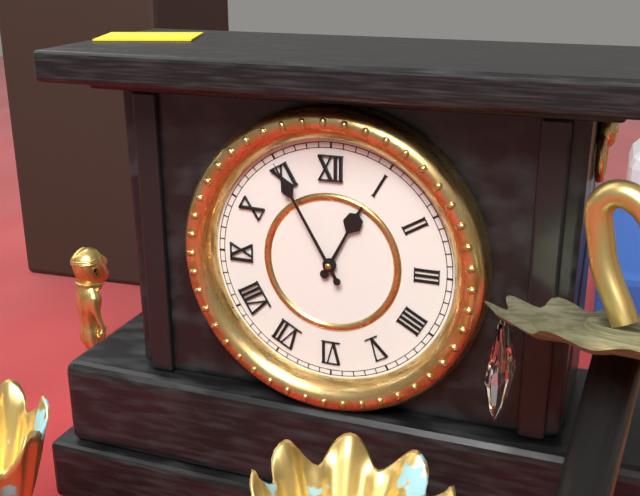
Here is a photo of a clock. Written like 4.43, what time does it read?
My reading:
12.55
